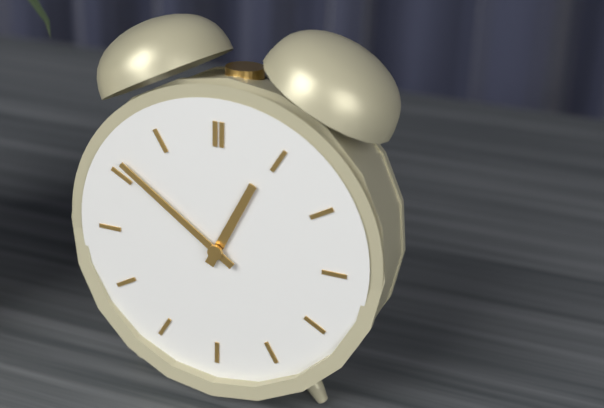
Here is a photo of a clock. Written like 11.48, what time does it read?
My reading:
12.51
